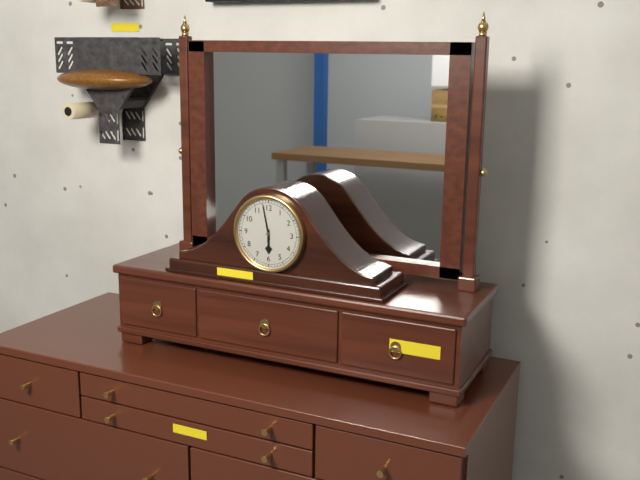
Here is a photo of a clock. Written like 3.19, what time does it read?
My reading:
5.58
